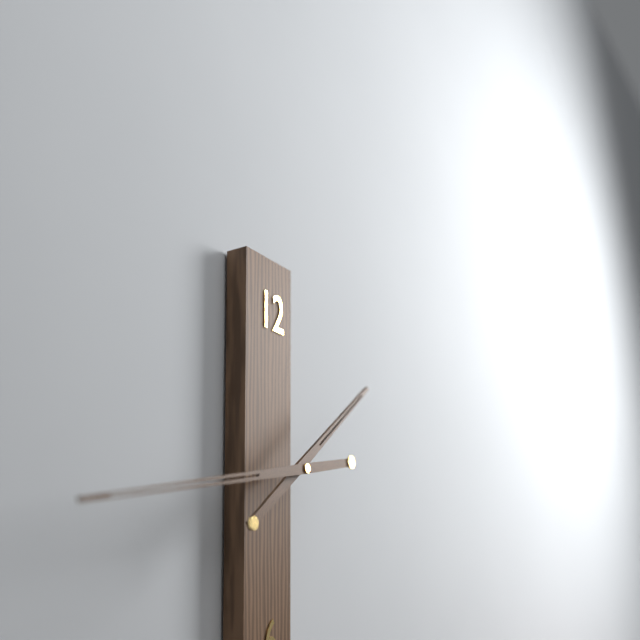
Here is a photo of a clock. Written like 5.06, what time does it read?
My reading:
1.43
